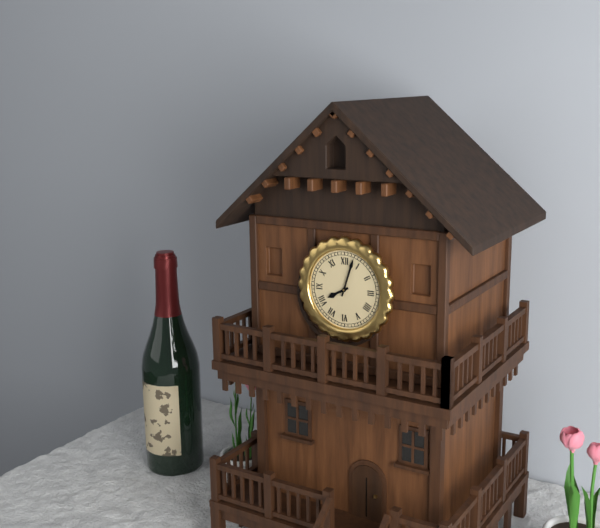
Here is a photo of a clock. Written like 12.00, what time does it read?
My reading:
8.03
